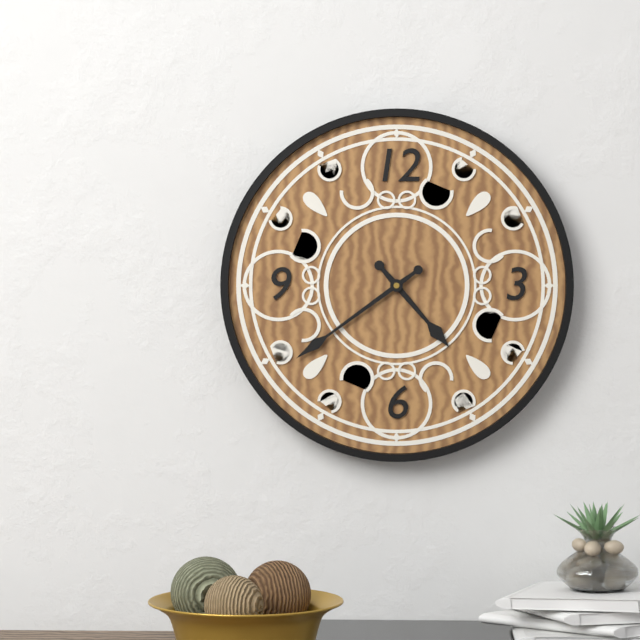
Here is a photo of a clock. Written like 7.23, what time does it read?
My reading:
4.39
